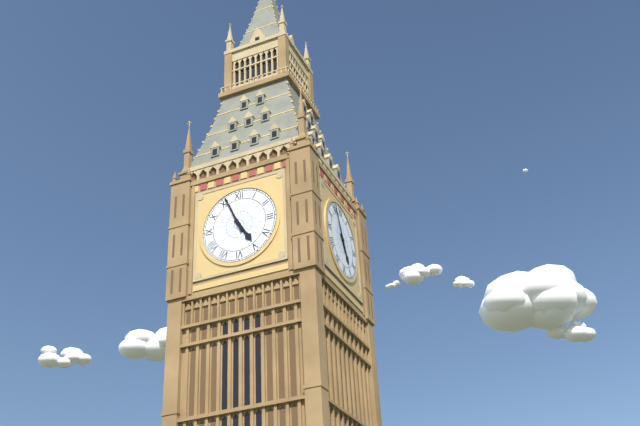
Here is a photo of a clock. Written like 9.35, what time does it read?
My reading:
4.56
